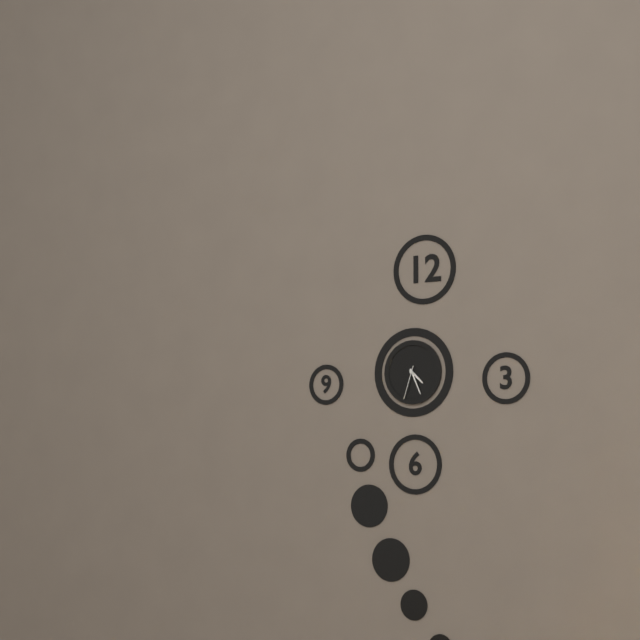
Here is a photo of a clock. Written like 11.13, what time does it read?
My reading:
4.26
